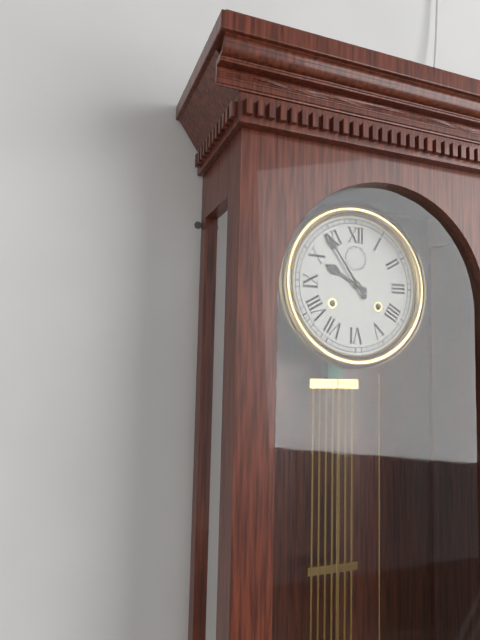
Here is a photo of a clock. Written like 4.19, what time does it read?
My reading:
9.54
